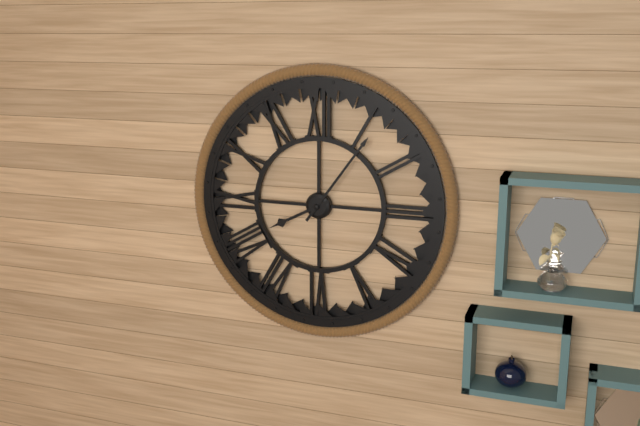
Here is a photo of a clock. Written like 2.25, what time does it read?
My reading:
8.06
